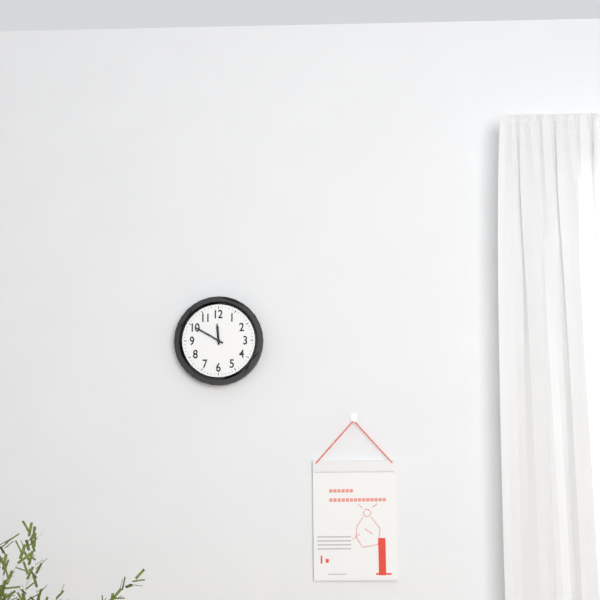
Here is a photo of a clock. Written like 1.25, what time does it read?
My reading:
11.50
